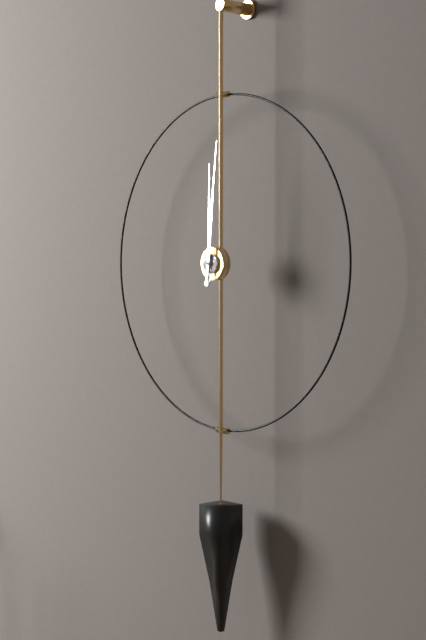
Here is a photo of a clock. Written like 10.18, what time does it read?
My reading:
12.01
